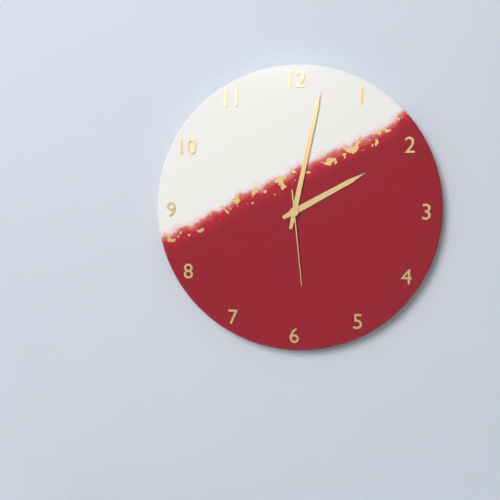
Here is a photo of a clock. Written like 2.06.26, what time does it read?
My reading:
2.02.29
